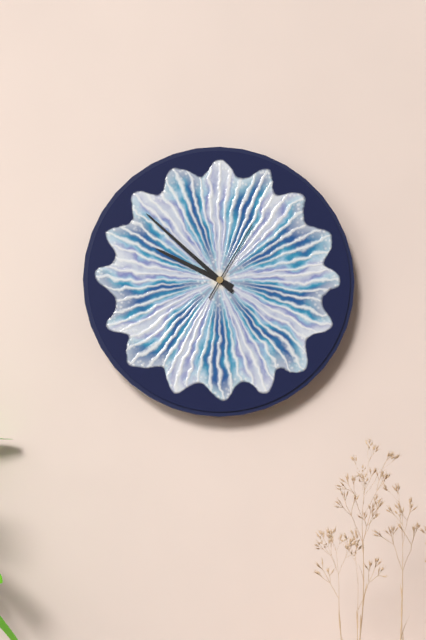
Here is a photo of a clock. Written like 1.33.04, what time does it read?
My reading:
9.52.05
